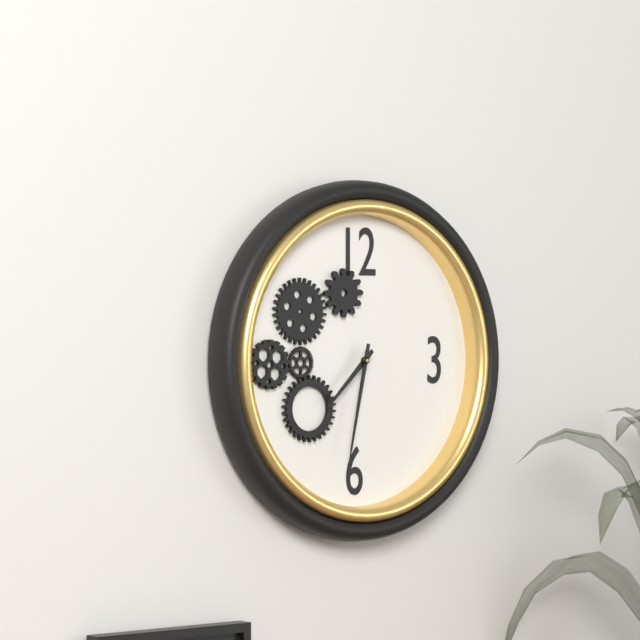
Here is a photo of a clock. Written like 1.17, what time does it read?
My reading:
7.32
